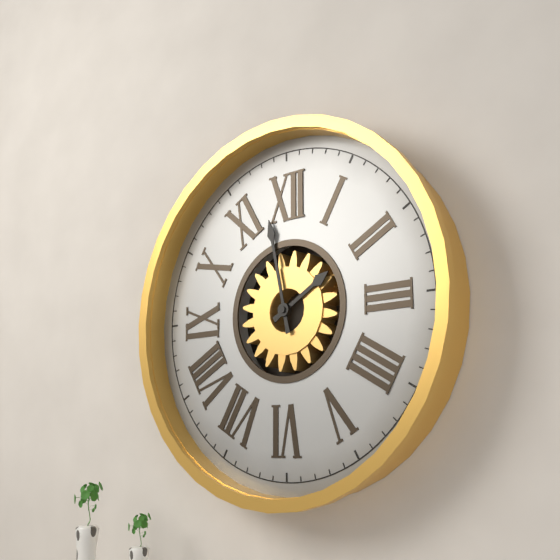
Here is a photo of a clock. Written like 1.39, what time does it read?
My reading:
1.58
